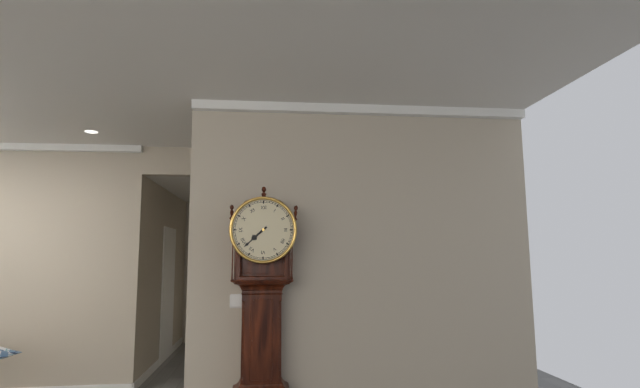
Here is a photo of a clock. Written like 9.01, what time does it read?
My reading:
7.38
